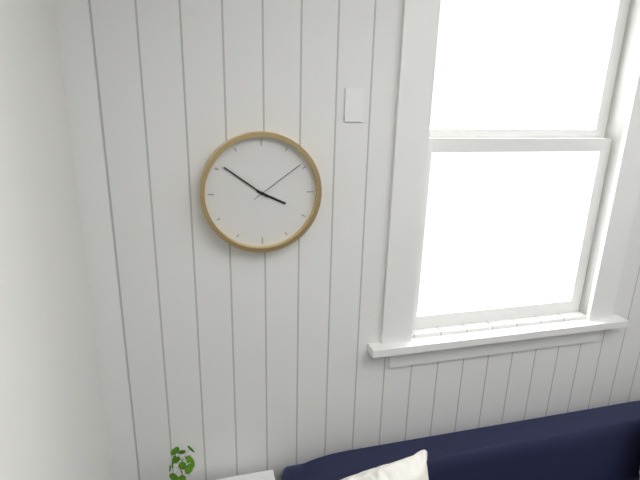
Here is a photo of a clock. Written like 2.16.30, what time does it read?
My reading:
3.51.09
